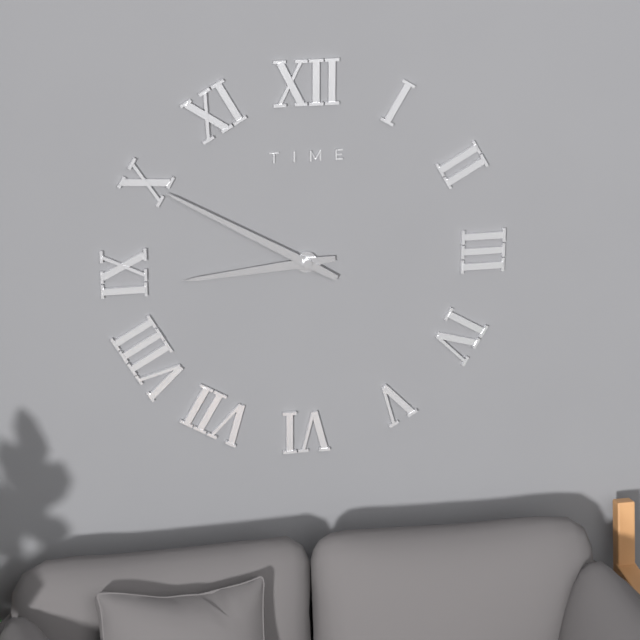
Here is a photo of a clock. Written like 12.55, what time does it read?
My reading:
8.50
